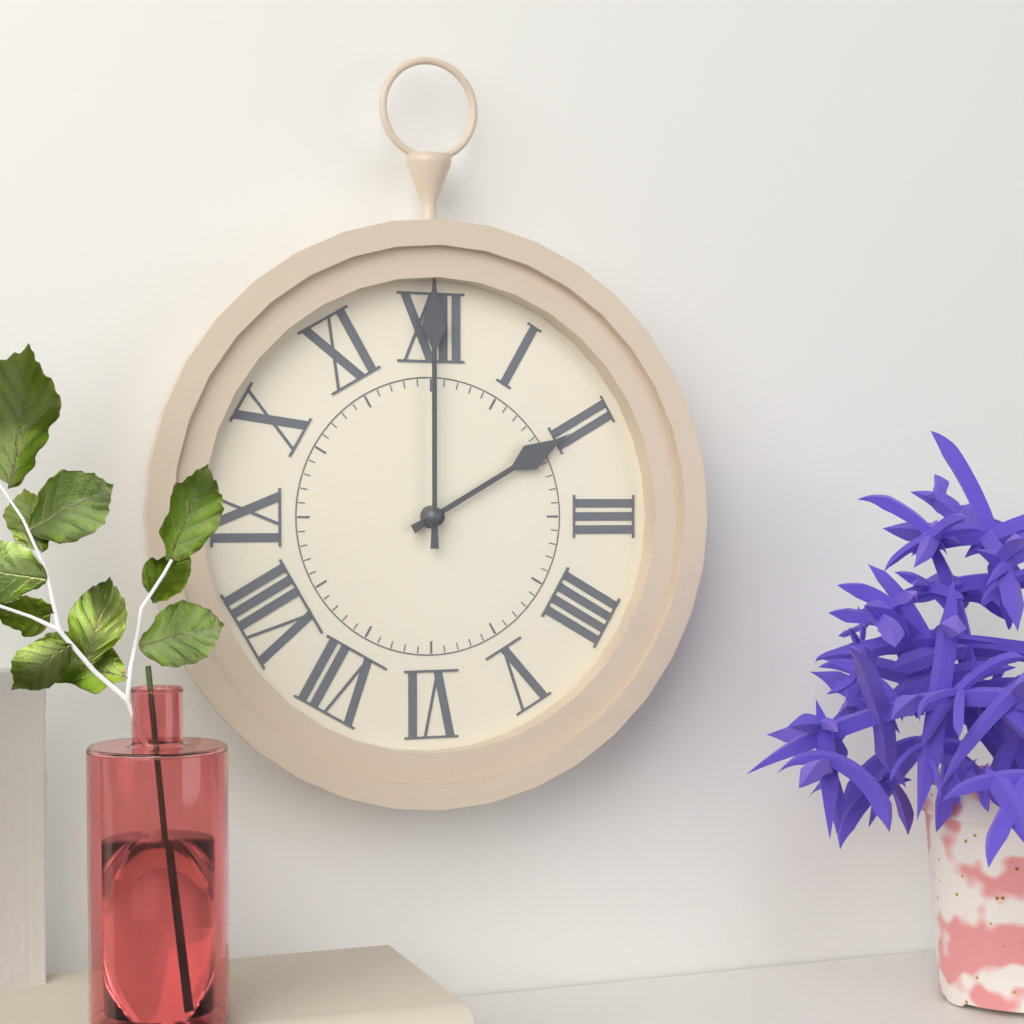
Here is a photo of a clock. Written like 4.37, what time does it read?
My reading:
2.00
